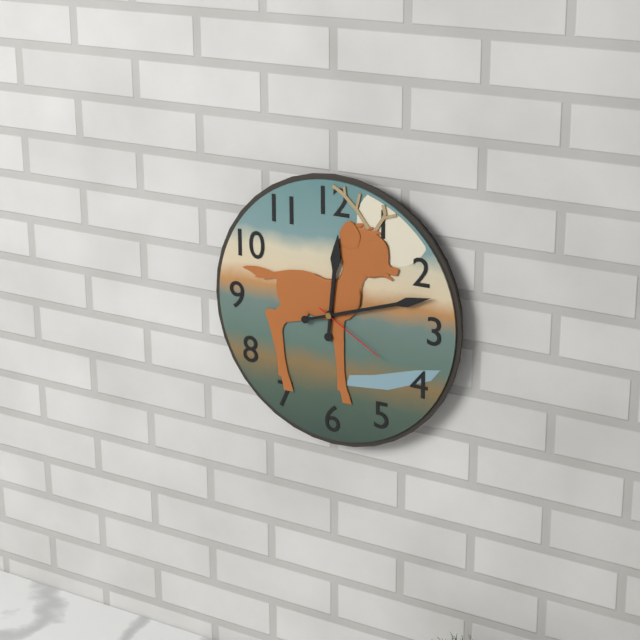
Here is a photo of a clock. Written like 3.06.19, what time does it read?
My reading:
12.12.20
